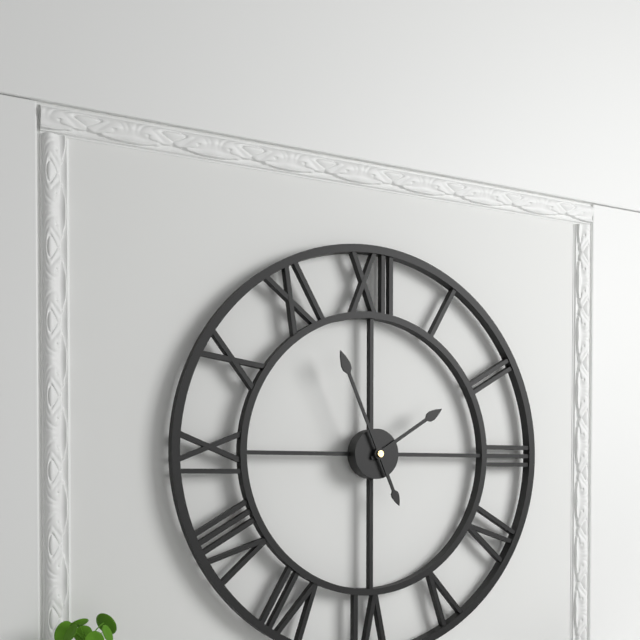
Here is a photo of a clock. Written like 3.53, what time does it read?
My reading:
1.56
